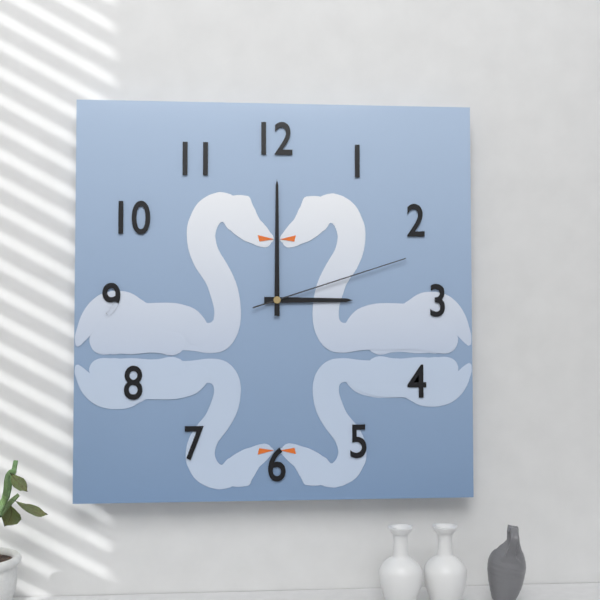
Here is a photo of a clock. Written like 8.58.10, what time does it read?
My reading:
3.00.12
